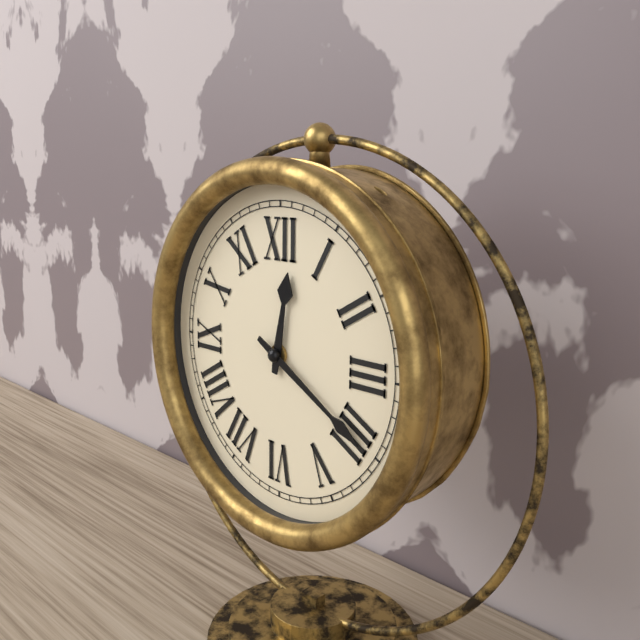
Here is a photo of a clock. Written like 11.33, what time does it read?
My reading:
12.20
